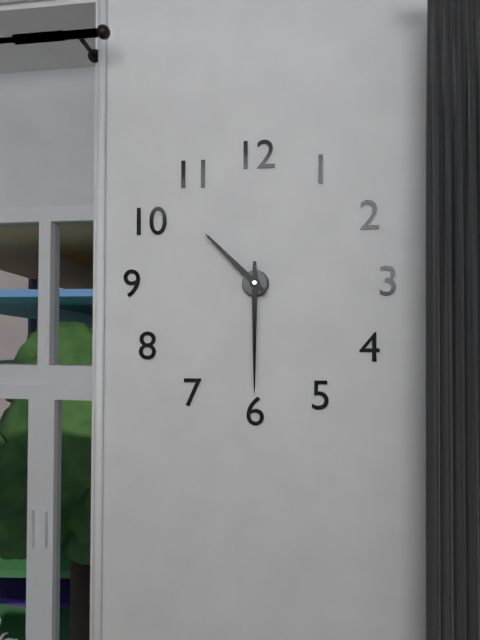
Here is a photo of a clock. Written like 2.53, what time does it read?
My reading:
10.30
